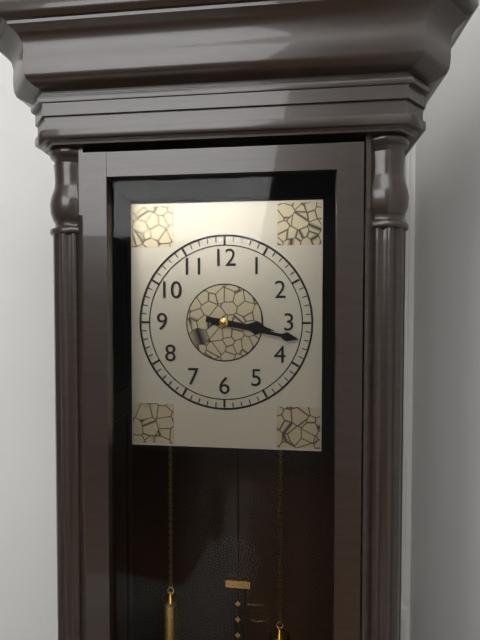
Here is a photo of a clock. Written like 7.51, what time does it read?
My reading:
3.17
